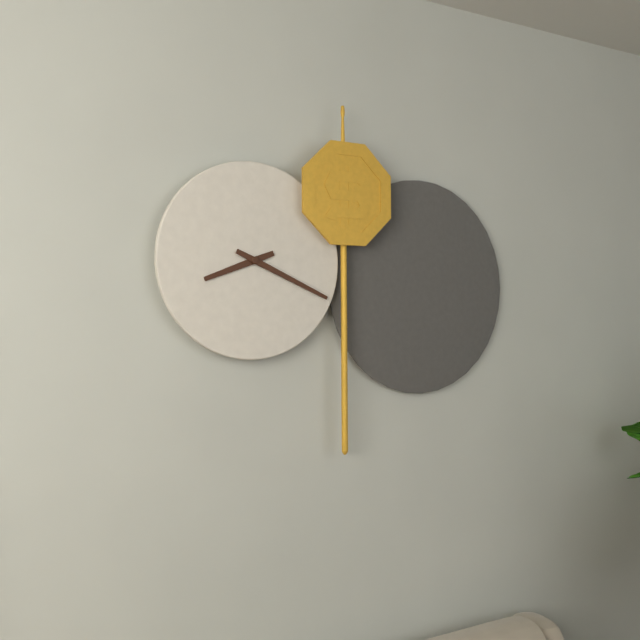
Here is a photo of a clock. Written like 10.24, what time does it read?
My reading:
8.19
